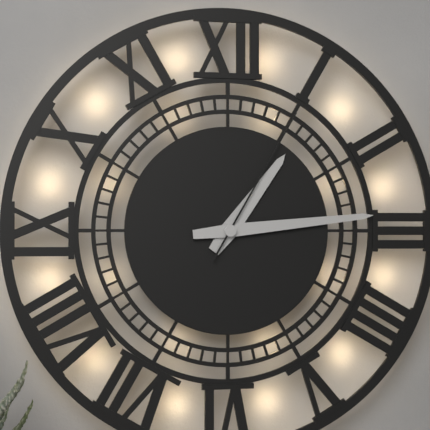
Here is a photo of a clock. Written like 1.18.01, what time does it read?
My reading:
1.14.05
